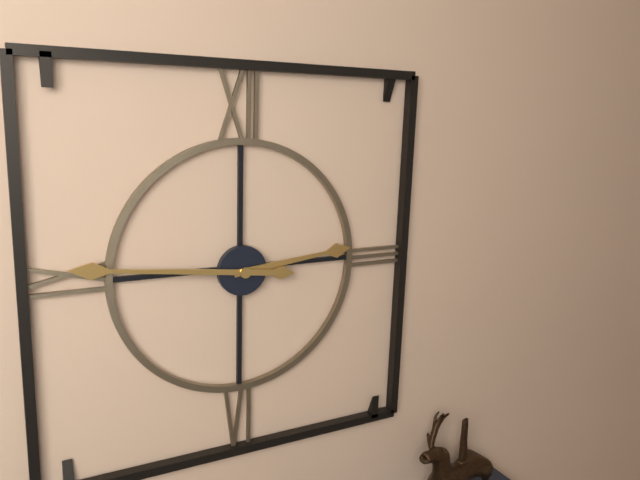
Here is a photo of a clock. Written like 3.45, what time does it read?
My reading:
2.46
